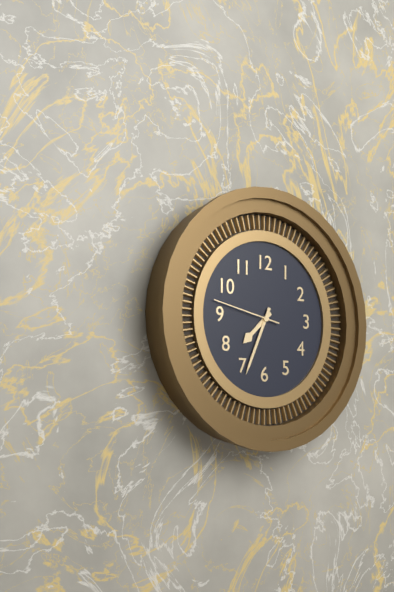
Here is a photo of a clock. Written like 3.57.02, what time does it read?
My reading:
7.34.47
